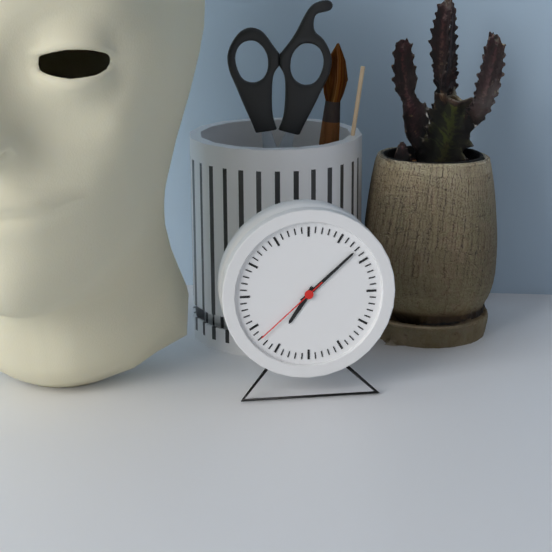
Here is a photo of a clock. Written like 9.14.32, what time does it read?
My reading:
7.08.38
